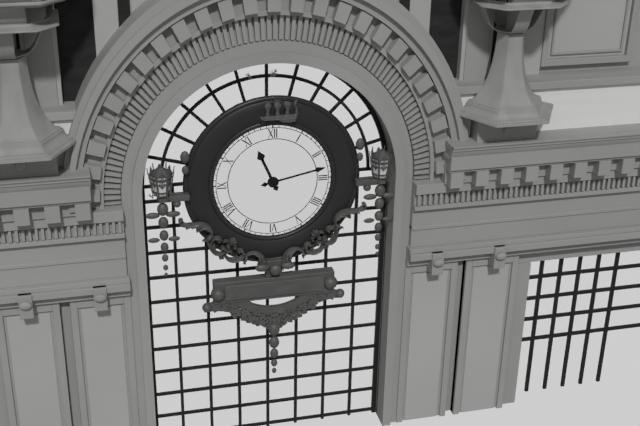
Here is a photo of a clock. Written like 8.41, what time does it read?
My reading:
11.13
